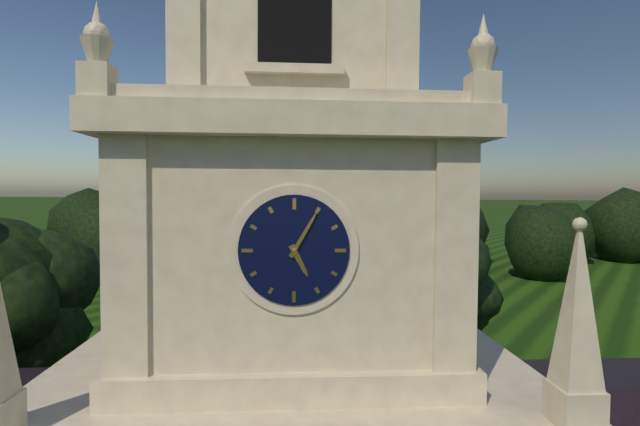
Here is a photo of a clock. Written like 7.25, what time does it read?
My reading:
5.05
